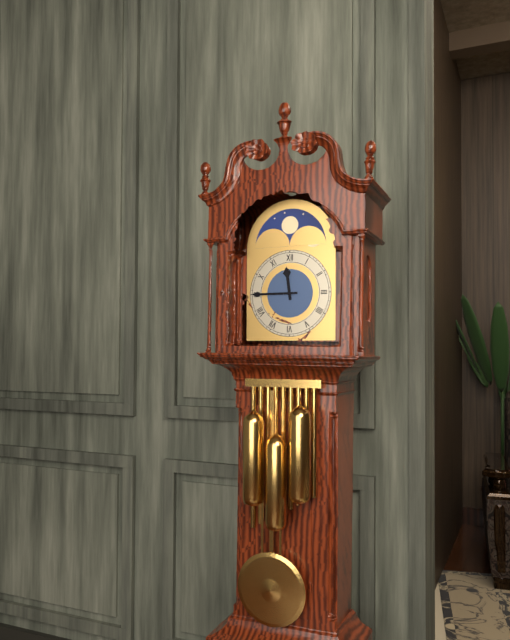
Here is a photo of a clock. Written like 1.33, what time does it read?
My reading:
11.45
